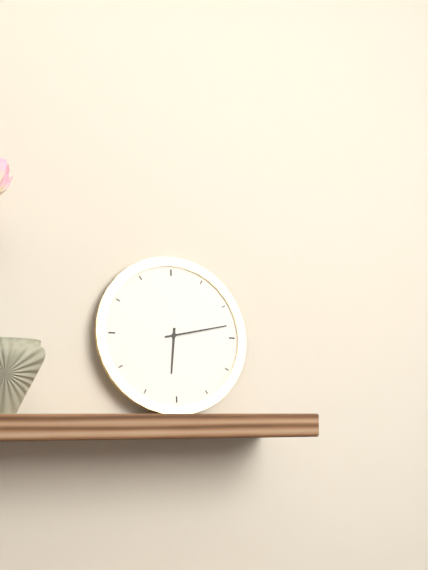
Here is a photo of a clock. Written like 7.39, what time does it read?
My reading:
6.13
